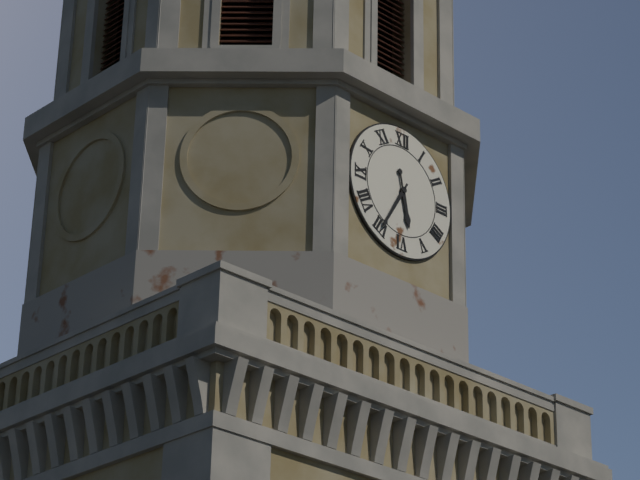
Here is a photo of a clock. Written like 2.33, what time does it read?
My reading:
5.35
